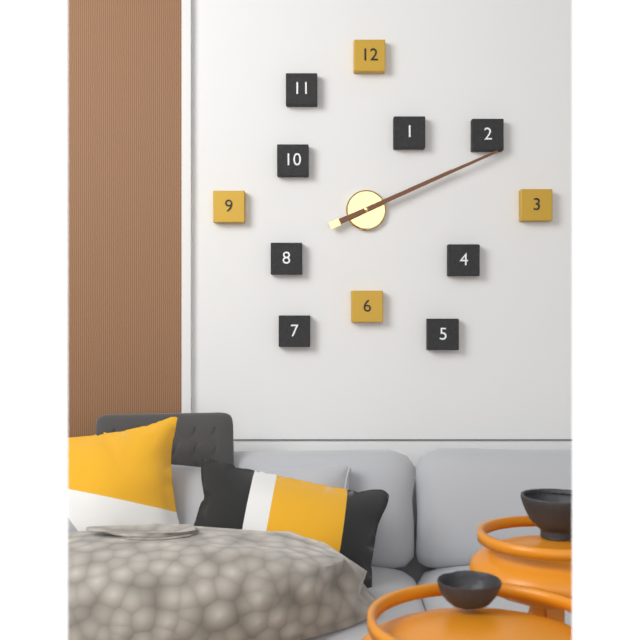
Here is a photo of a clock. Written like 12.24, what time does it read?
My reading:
2.11
